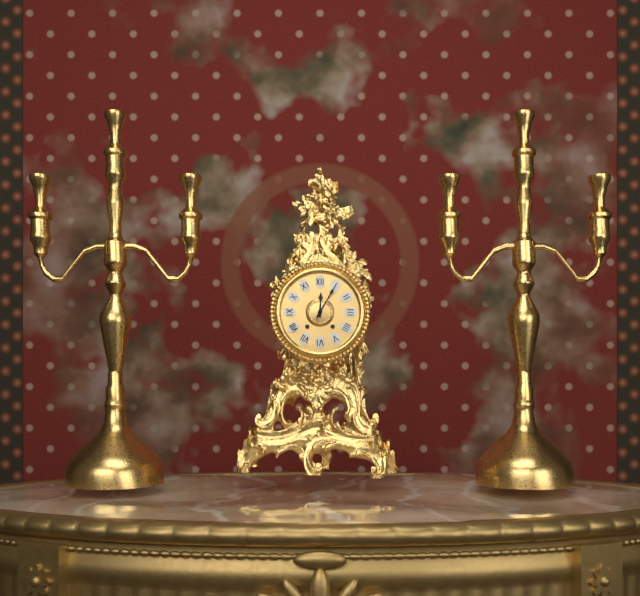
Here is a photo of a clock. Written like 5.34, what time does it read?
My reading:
12.05
